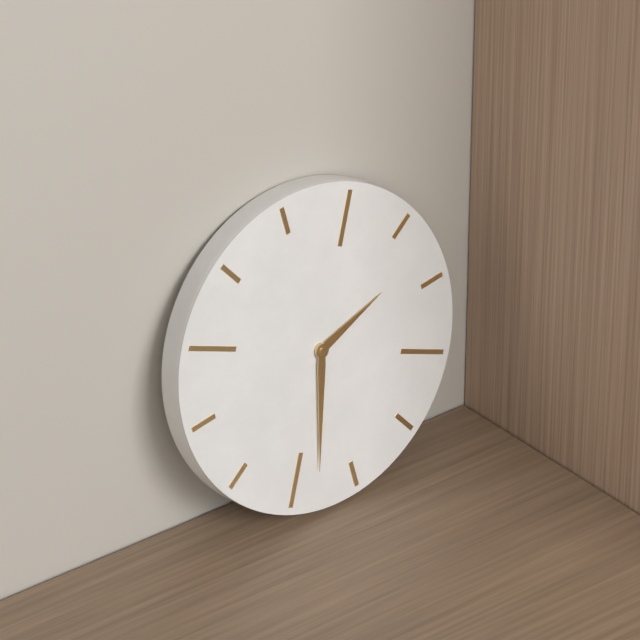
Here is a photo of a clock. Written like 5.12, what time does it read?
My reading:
2.33
